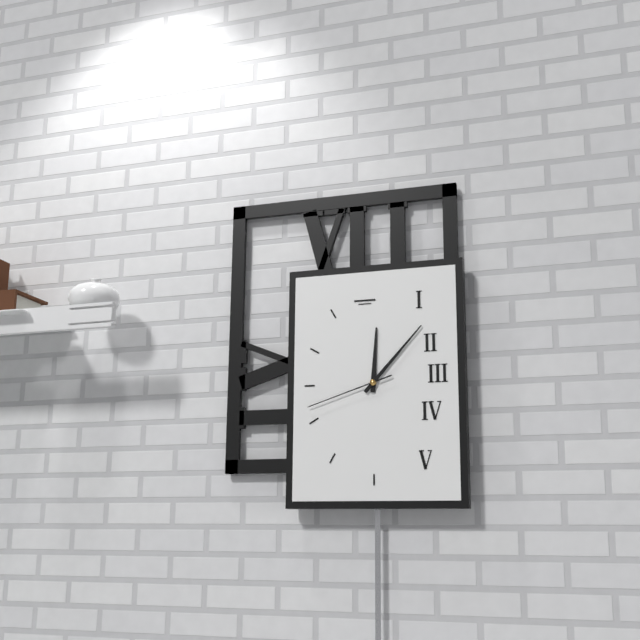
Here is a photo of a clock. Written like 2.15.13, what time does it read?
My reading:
12.07.42
